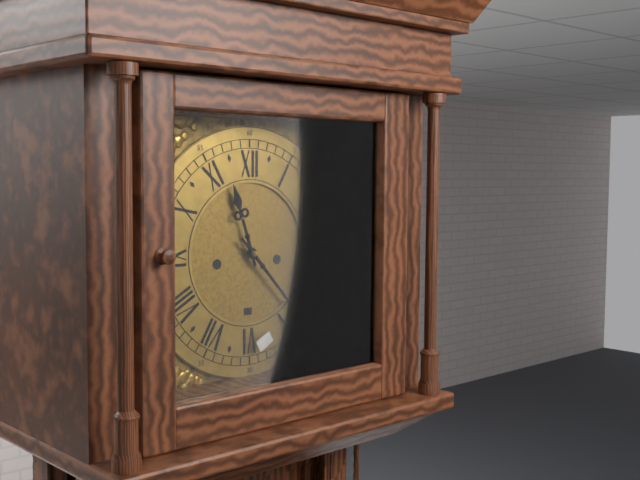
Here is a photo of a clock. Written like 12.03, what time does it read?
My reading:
11.23
